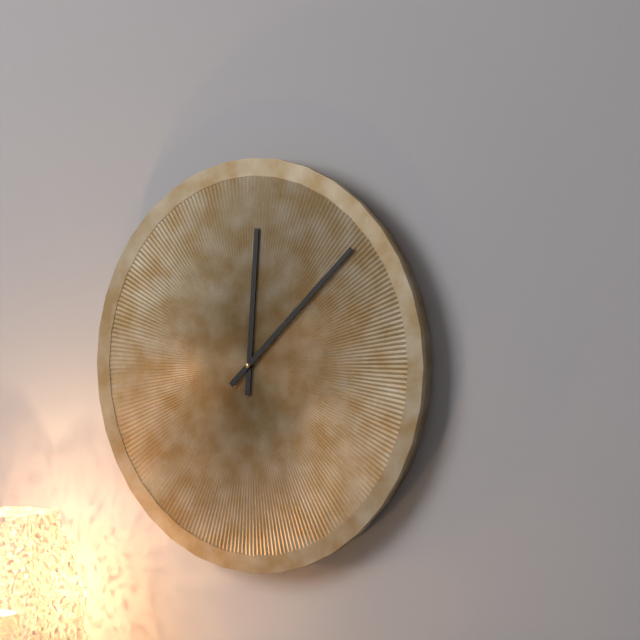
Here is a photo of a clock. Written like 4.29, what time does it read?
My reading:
12.08
